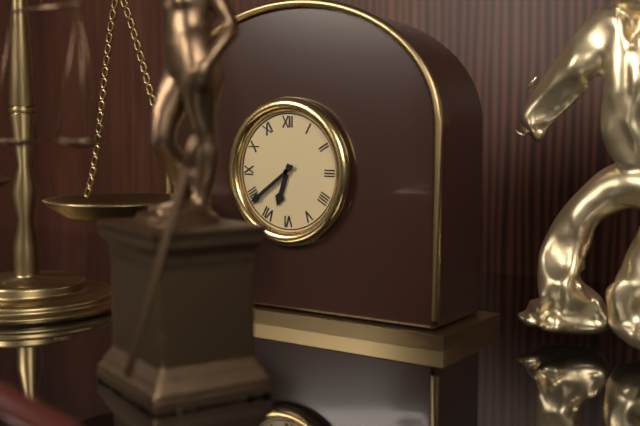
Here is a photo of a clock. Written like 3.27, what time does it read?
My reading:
6.39
